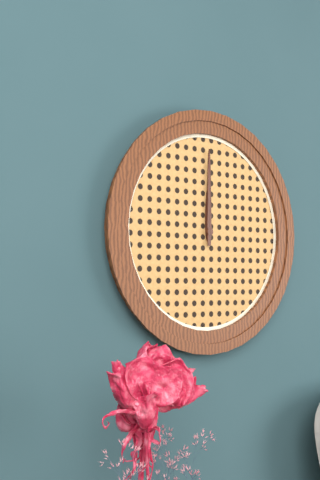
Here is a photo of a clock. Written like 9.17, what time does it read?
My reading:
12.00
